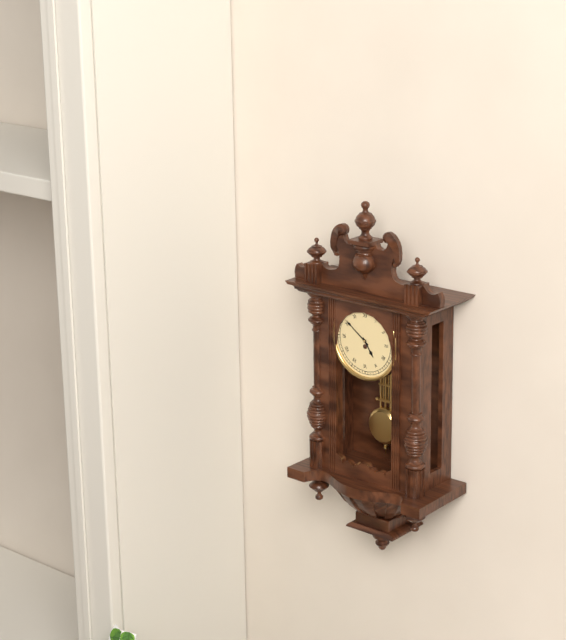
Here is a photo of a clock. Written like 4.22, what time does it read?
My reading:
4.51
